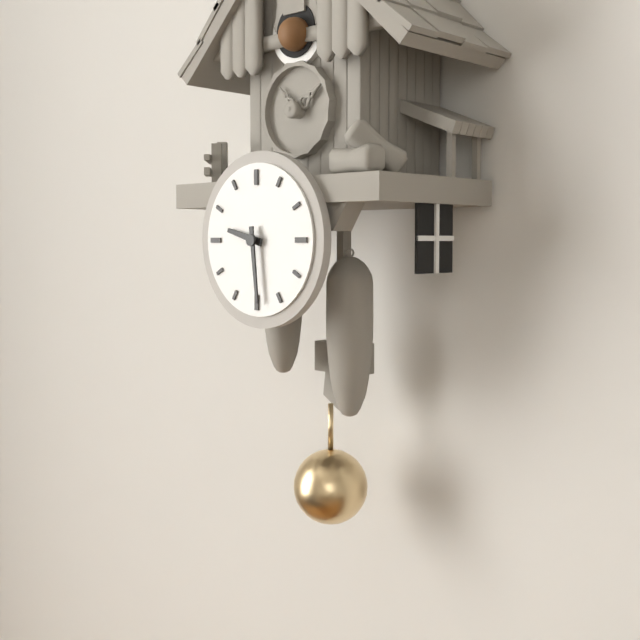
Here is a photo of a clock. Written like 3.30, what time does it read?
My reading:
9.29
